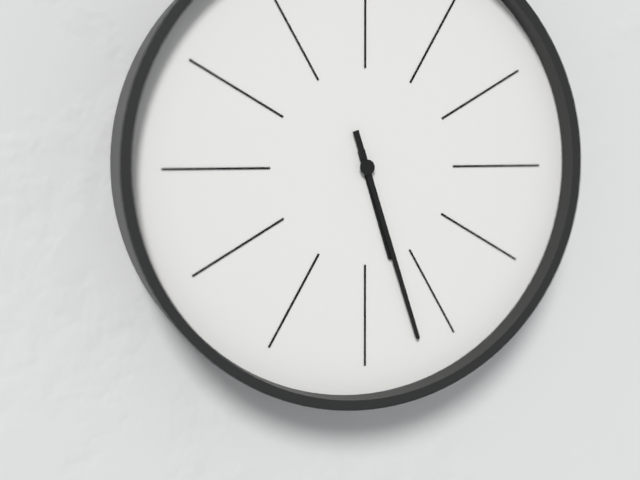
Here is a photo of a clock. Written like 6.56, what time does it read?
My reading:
5.27
